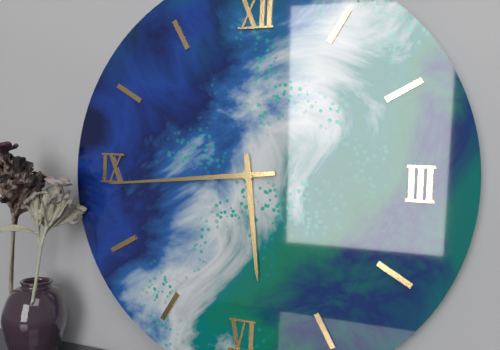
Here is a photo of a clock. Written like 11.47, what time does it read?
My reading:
5.44
